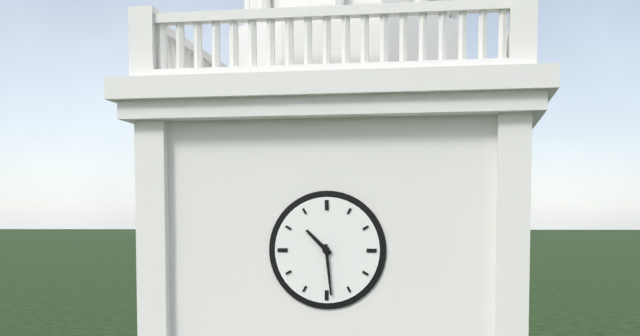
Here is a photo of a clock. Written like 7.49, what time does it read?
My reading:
10.29
